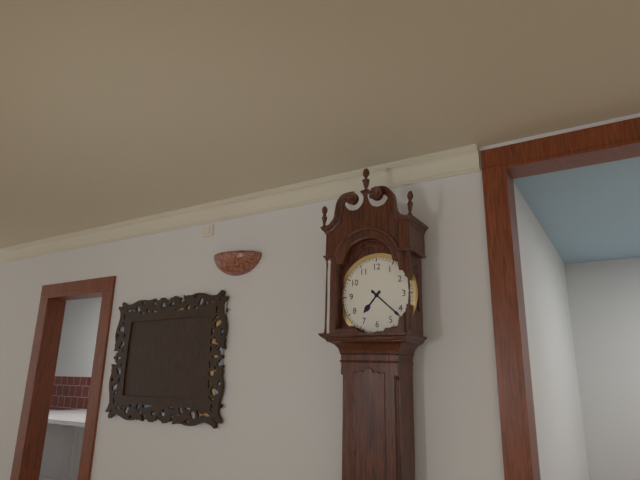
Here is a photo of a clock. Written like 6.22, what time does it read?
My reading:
7.22
